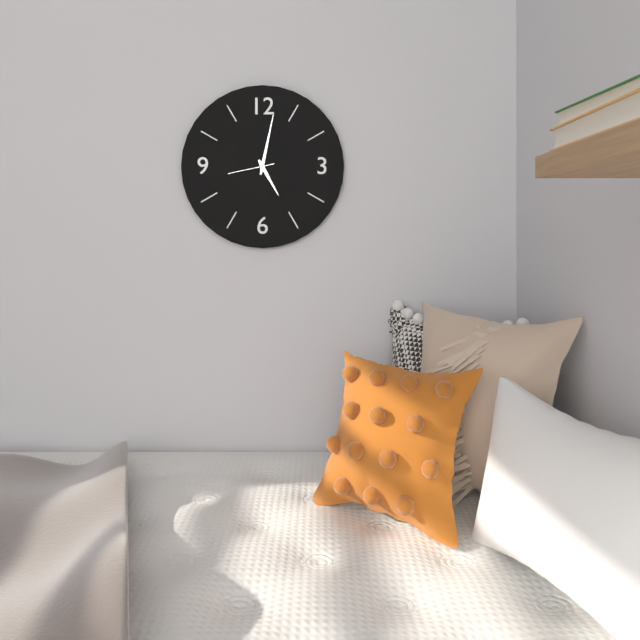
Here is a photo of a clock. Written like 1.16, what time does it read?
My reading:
5.02
